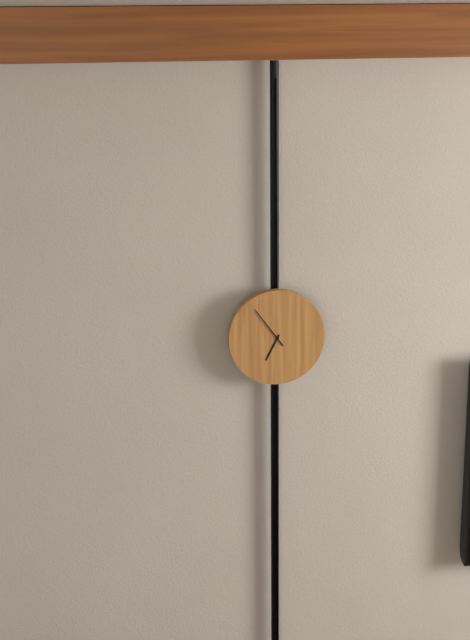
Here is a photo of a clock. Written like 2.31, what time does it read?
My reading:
6.54
